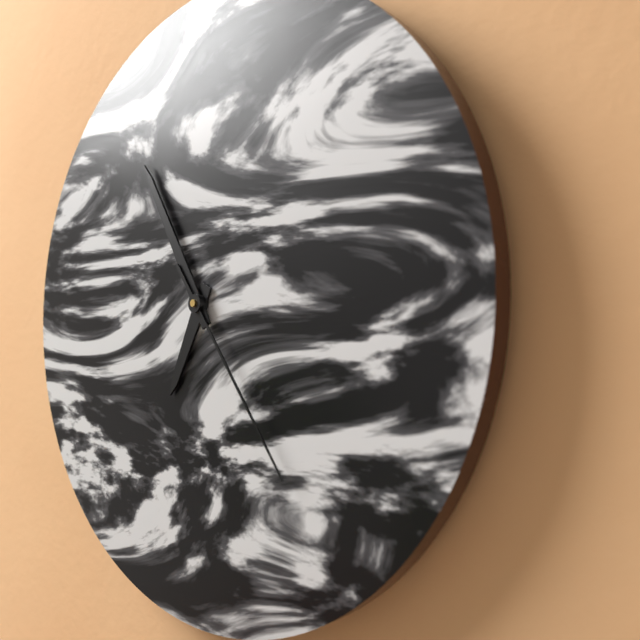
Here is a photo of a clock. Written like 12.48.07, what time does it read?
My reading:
6.55.24
